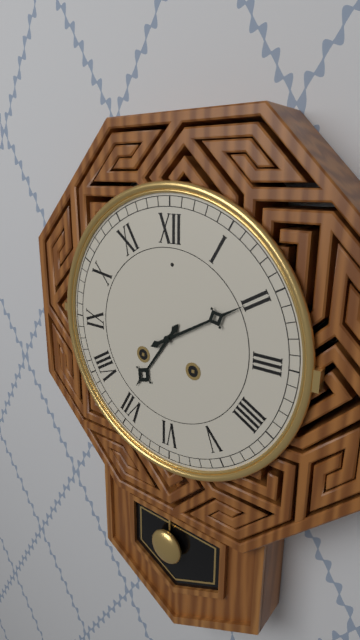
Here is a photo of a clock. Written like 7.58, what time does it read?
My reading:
7.10
